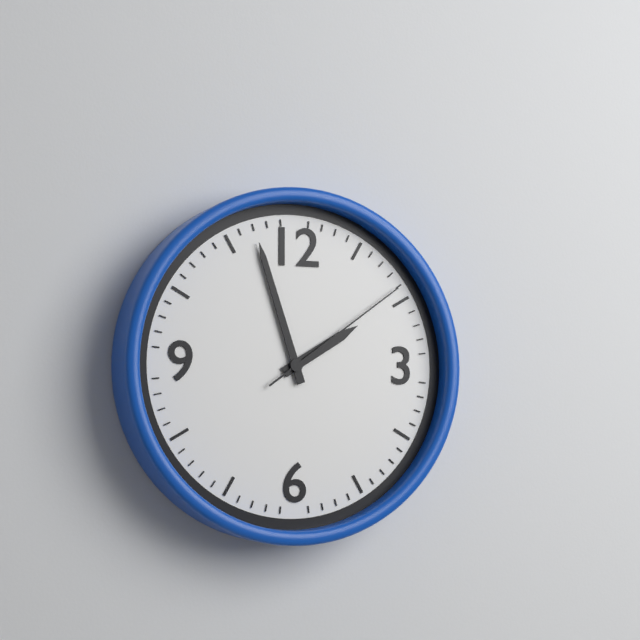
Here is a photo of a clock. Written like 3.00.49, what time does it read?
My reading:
1.57.09
